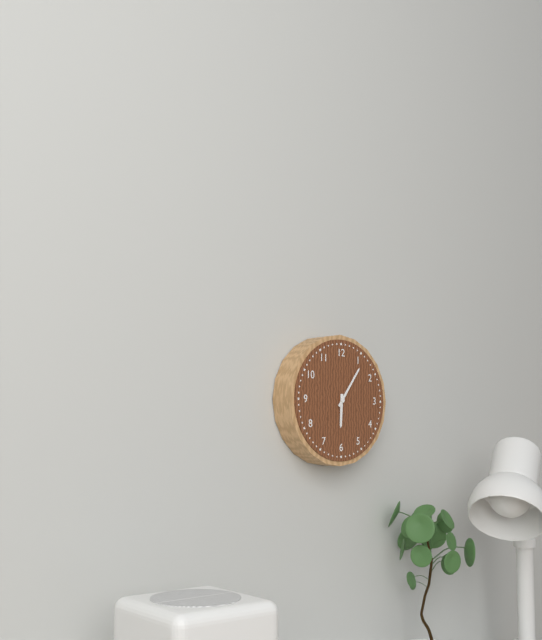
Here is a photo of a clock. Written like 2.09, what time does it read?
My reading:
6.06
